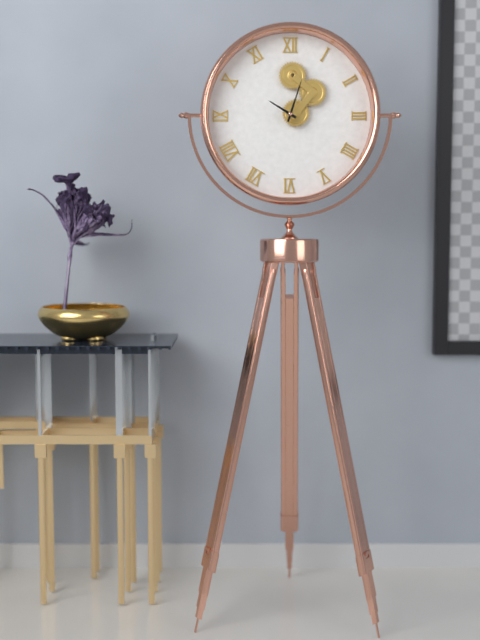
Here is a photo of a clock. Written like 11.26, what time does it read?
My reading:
10.03
